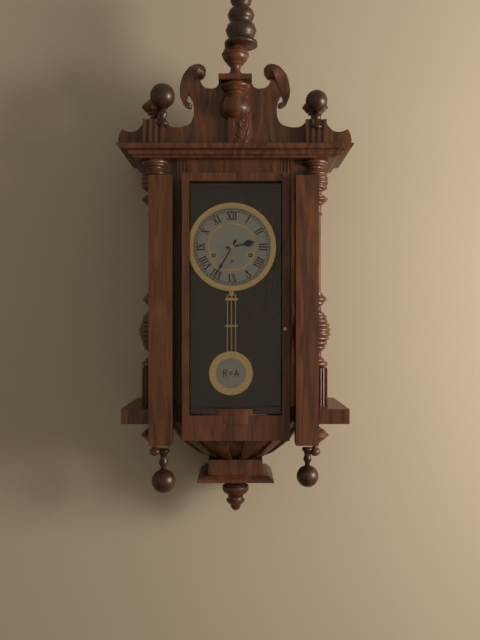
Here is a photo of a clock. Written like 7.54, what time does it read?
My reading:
2.35
